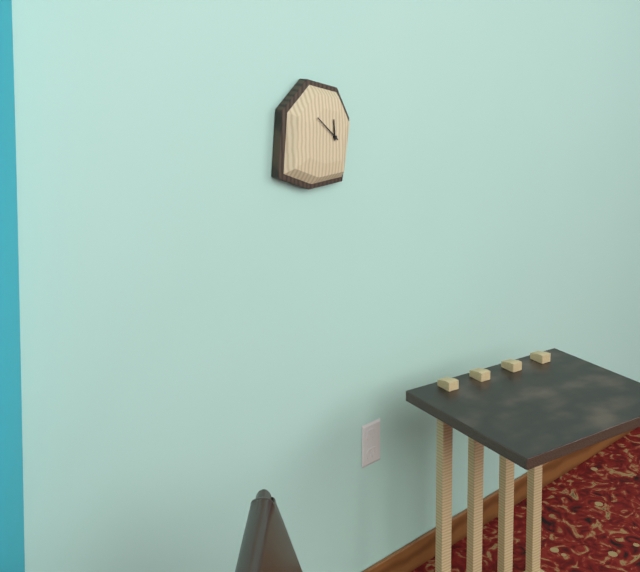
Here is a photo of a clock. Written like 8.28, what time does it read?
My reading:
11.52
